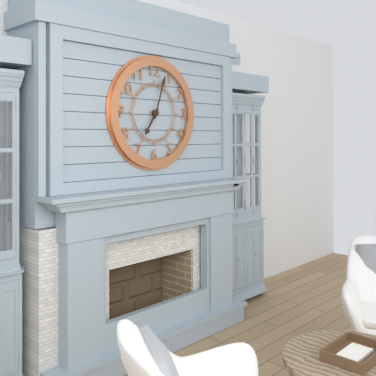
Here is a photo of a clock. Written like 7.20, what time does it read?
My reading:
7.03
